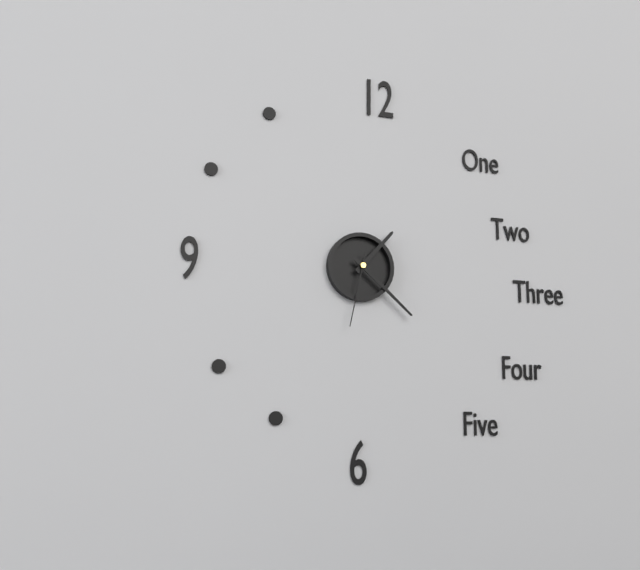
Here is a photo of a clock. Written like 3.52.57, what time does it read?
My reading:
1.22.32
